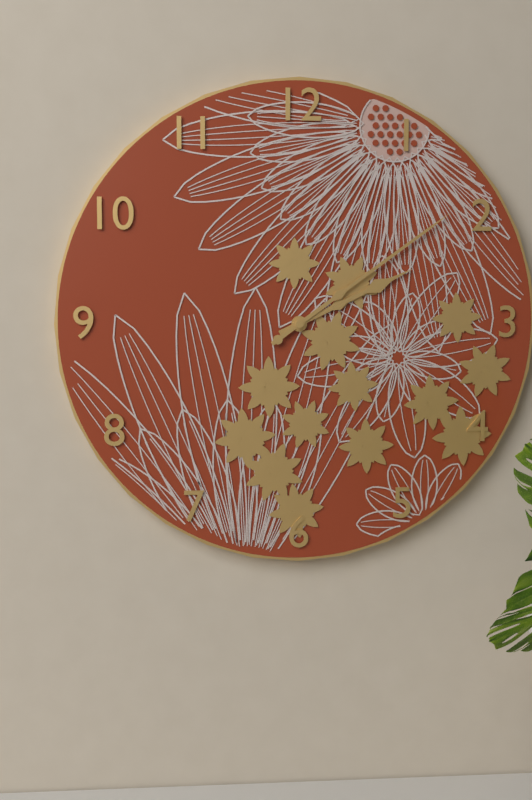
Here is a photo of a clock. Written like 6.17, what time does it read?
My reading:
2.09
